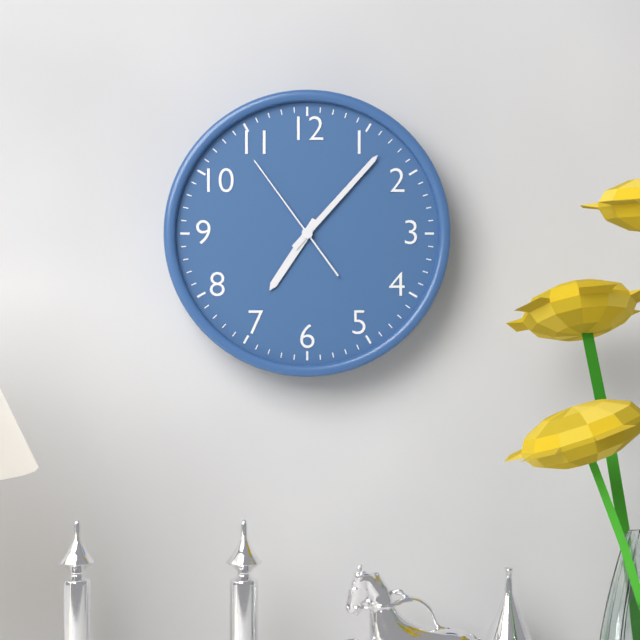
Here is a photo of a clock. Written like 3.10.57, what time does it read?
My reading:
7.07.54
